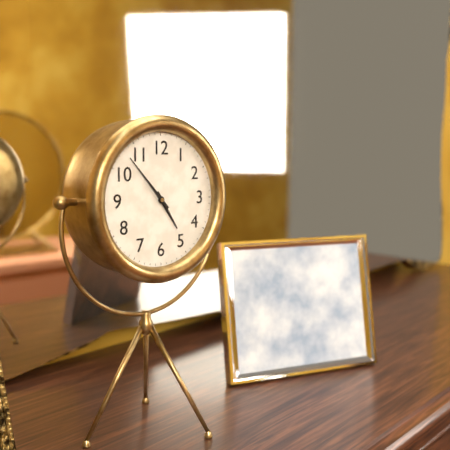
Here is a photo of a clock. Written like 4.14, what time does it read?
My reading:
4.53
